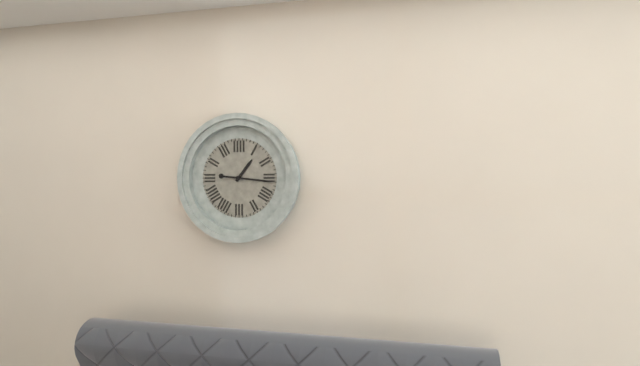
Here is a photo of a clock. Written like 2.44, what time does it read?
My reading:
1.16
